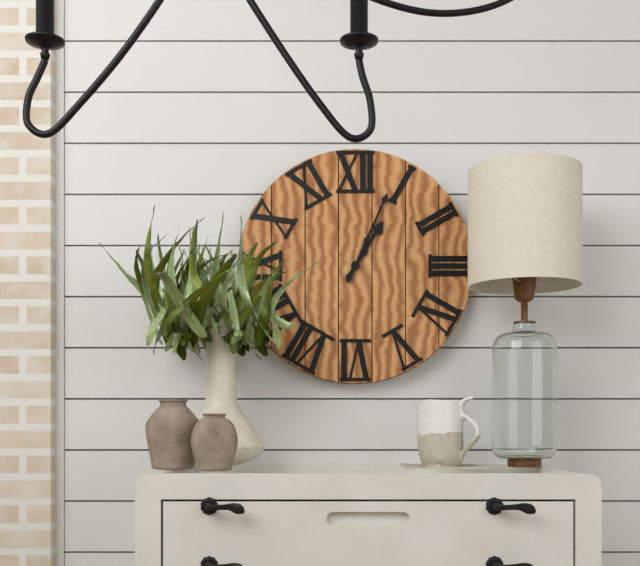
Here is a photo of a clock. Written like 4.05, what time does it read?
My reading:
1.04
